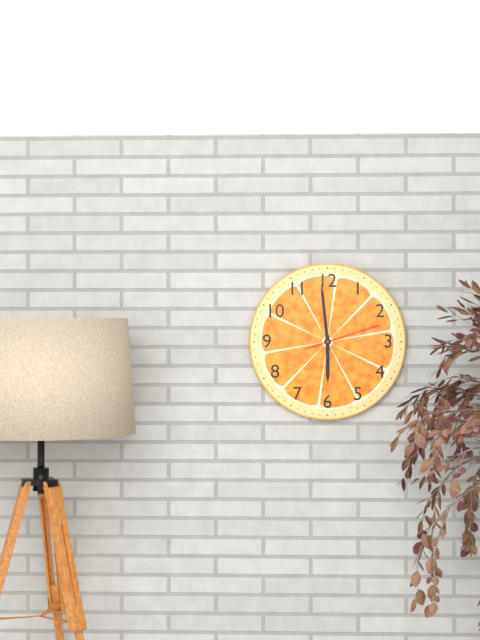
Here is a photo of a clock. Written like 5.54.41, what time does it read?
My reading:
5.59.12
